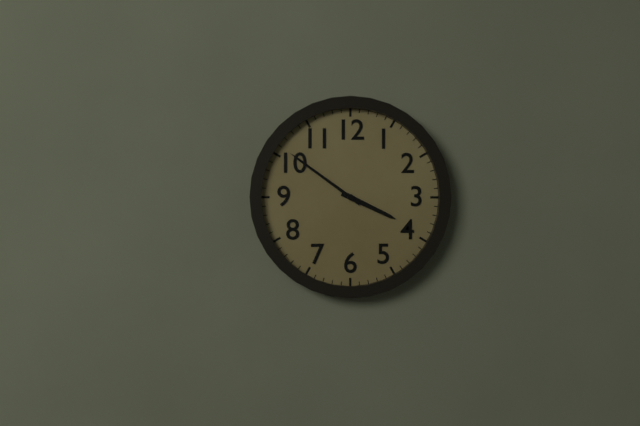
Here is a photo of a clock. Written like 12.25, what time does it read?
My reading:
3.51
